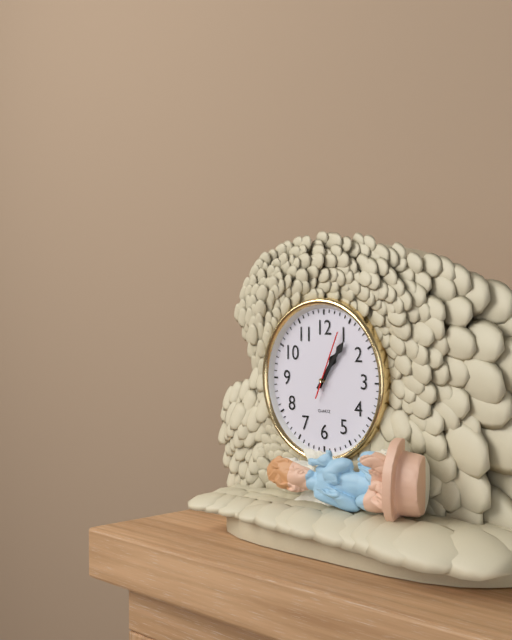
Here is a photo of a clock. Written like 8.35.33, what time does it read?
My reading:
1.06.04
